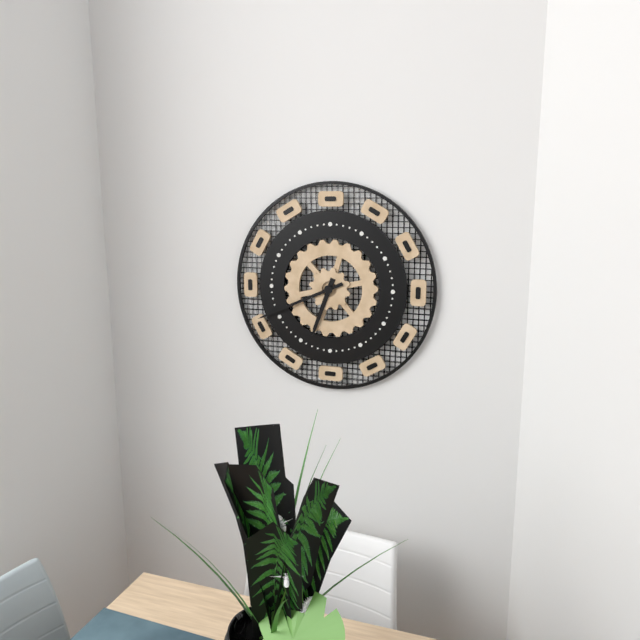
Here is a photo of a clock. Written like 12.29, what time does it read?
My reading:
6.41
